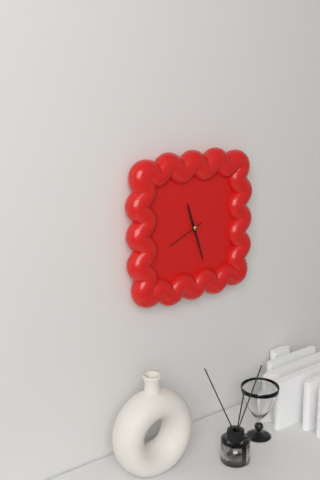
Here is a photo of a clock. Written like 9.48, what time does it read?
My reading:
11.27
